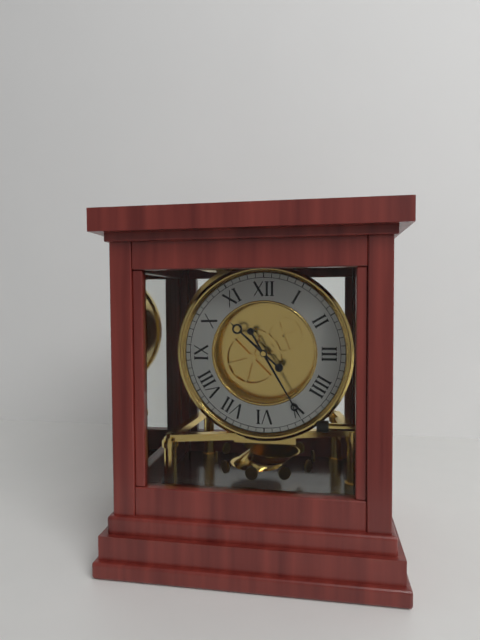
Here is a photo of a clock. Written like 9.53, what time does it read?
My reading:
10.25
